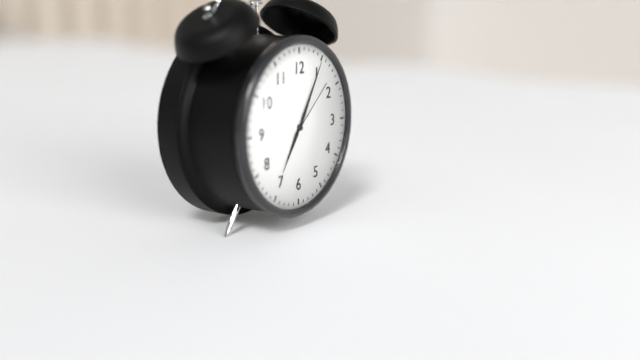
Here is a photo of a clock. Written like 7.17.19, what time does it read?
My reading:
7.05.08
